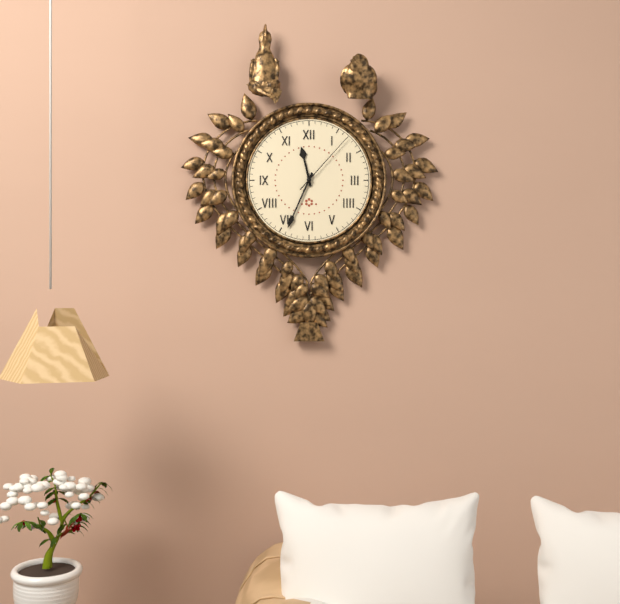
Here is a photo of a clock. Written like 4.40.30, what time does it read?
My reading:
11.34.07
